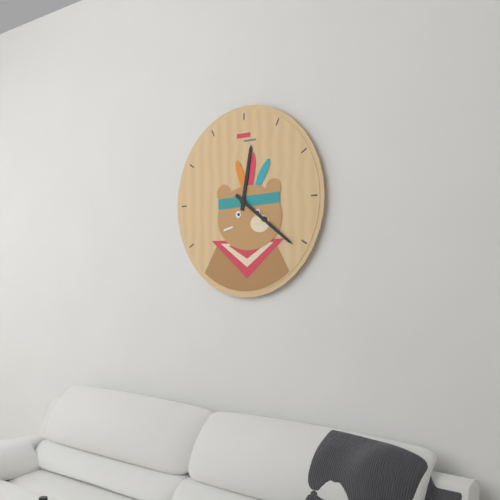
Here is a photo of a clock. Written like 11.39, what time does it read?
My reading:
12.21
